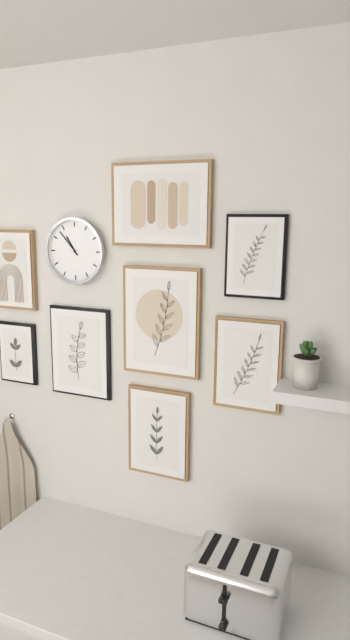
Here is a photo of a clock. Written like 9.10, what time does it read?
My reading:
10.53
